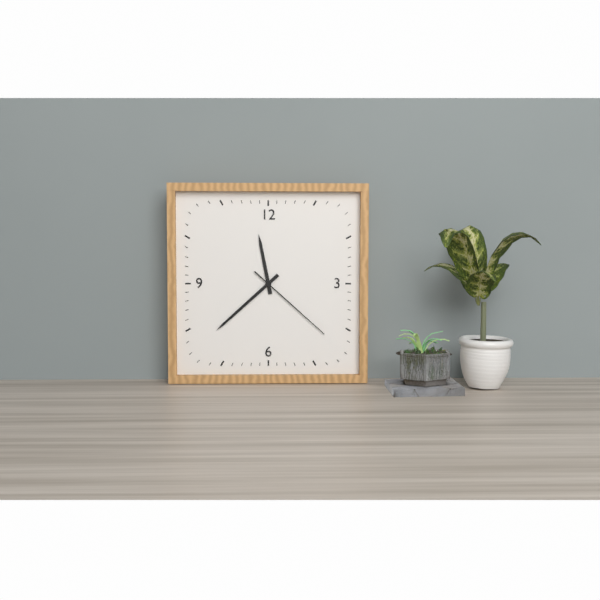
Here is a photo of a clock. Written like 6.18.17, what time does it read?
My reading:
11.38.22
